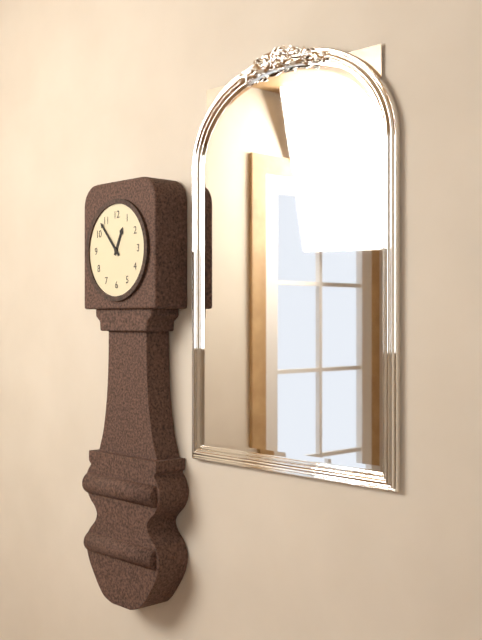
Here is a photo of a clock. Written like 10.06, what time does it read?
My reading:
12.53
